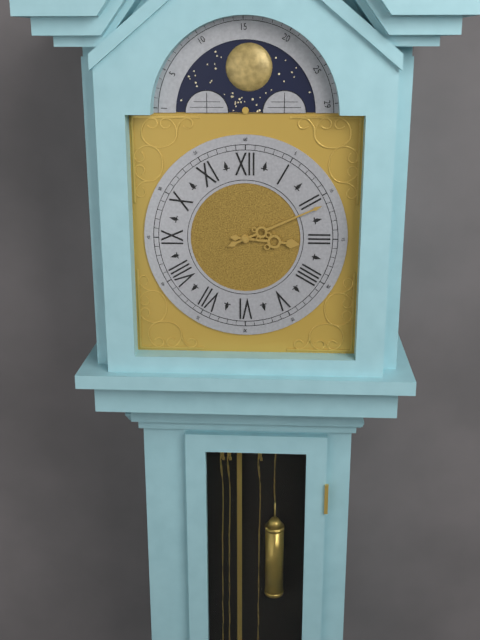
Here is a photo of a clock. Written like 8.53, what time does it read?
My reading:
3.11
